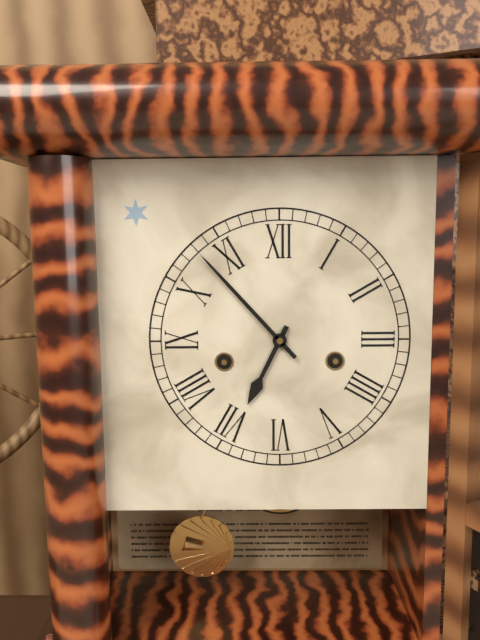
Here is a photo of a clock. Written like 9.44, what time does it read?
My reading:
6.53
